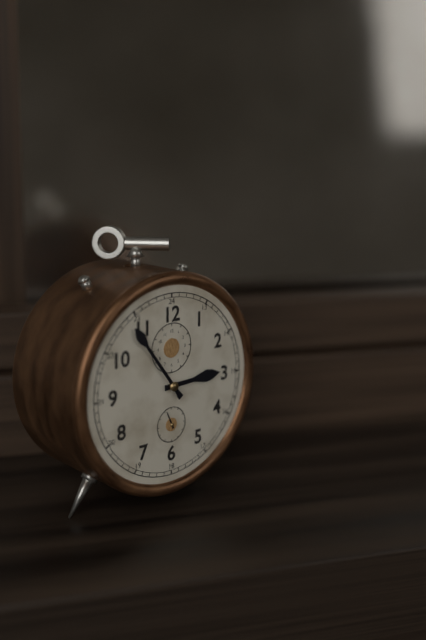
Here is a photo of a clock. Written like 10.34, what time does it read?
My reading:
2.54
